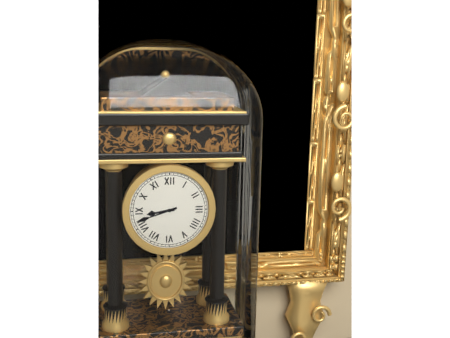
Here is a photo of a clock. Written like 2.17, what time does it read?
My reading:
8.42
